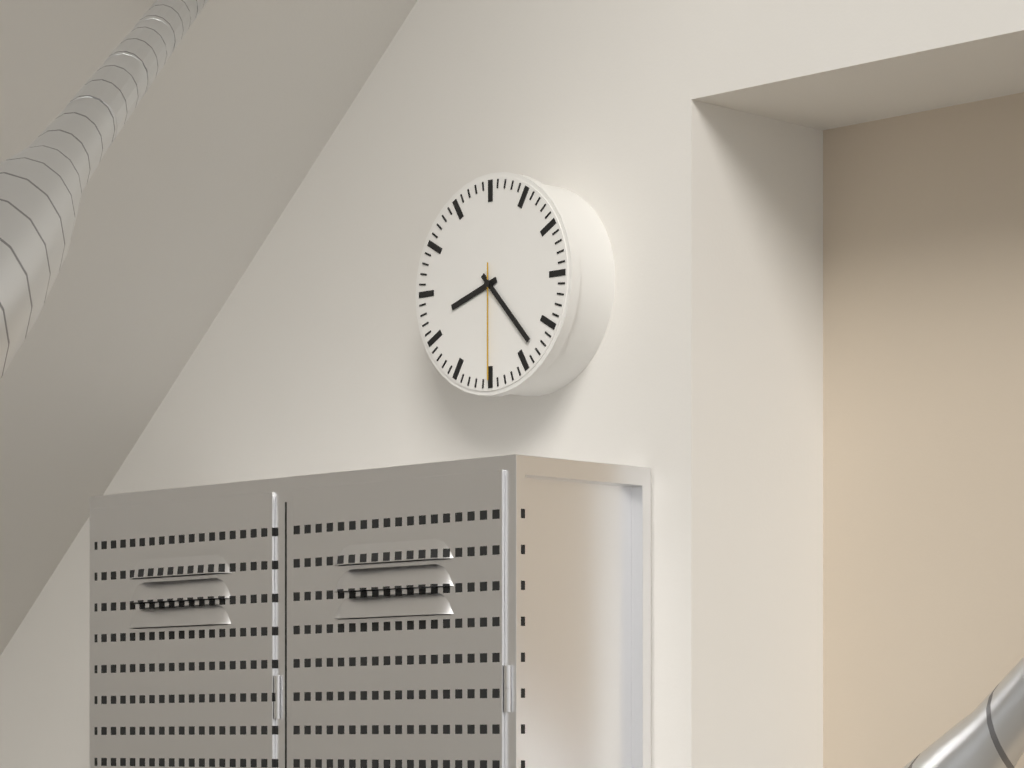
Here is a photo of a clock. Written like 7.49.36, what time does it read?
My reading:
8.23.30
